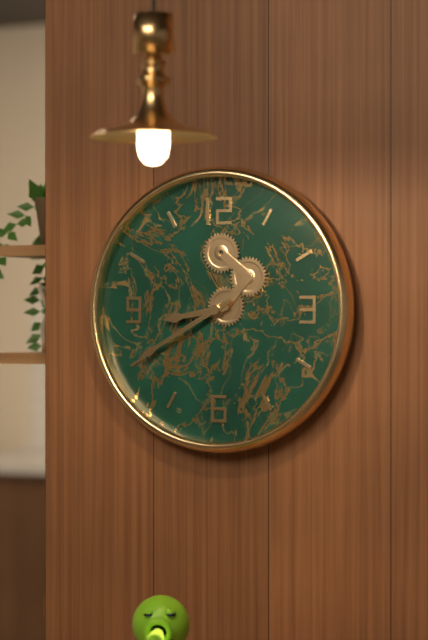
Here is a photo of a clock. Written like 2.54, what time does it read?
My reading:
8.40
